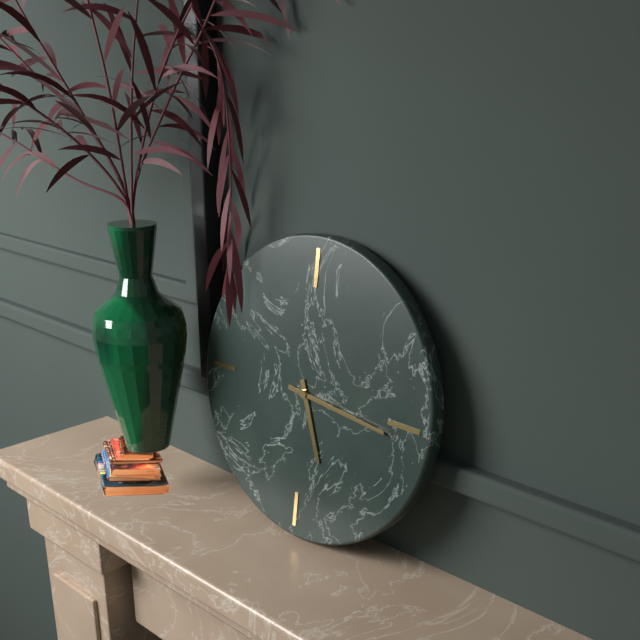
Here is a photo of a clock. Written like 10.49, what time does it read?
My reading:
5.16
